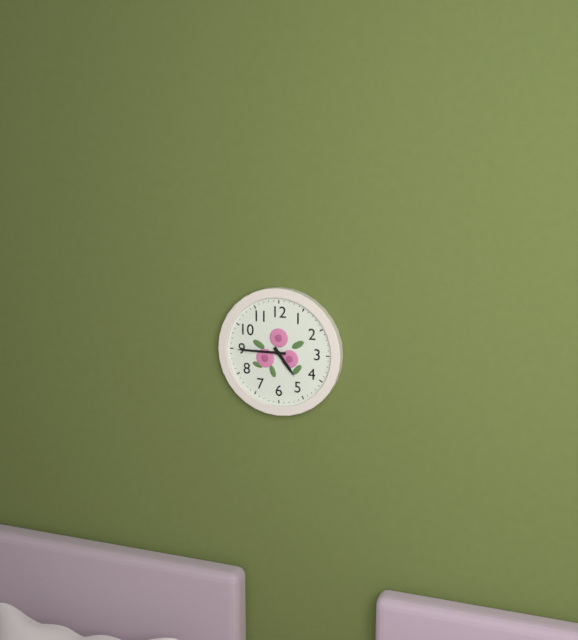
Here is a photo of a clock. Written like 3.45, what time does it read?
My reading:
4.45
